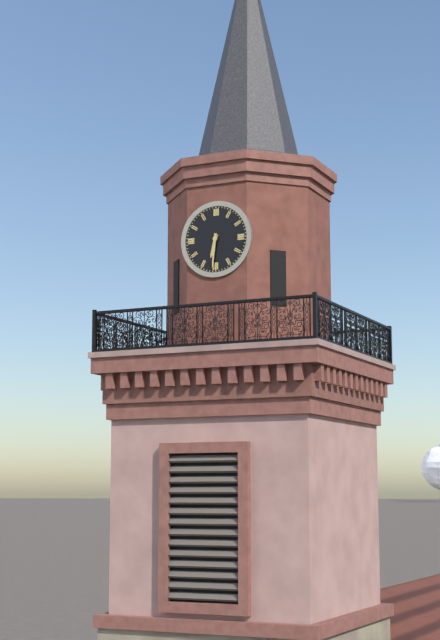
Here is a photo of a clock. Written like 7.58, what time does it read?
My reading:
6.31
